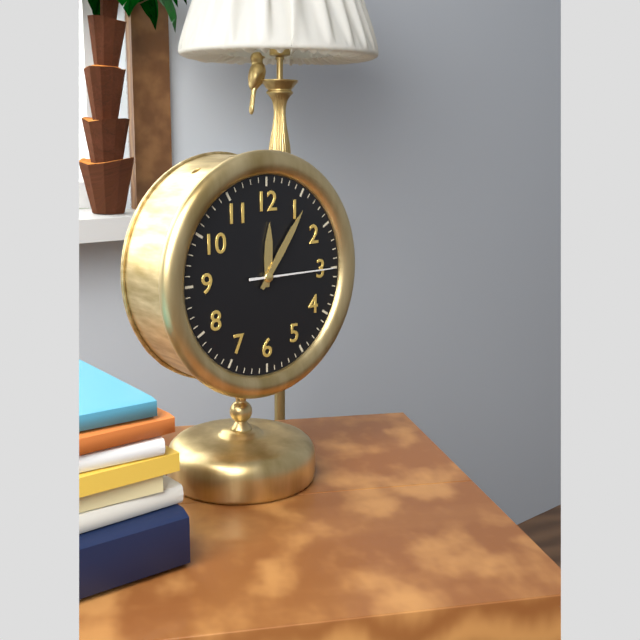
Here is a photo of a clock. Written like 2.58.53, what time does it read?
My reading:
12.06.15
